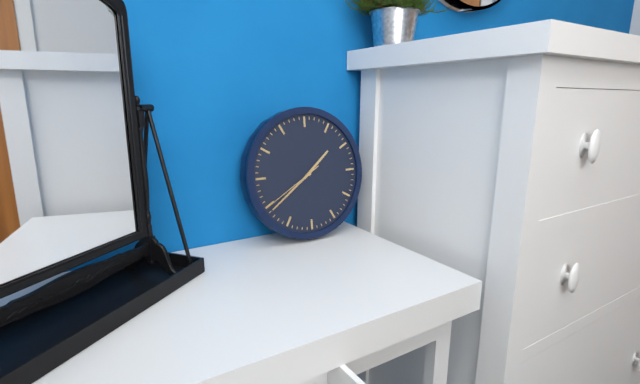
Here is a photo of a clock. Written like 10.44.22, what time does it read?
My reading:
1.39.40
